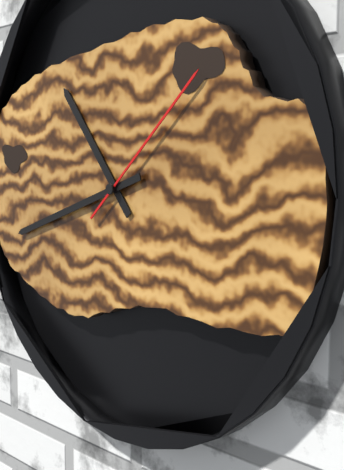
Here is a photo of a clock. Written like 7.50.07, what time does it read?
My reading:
10.42.08
